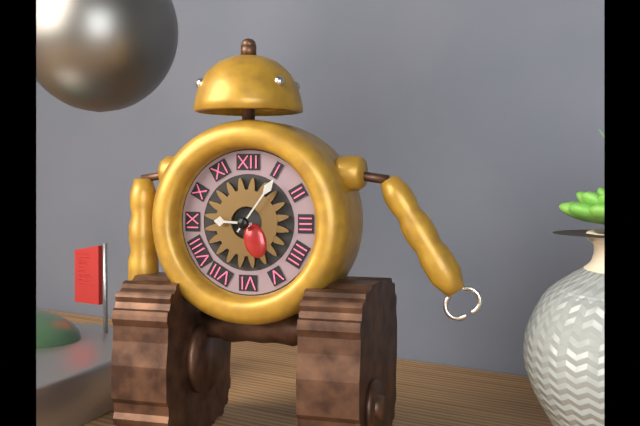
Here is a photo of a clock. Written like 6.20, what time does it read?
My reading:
9.06
